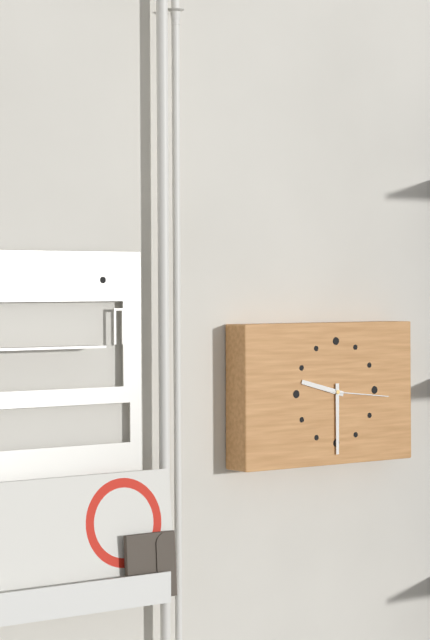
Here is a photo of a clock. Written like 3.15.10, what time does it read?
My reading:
9.30.16
